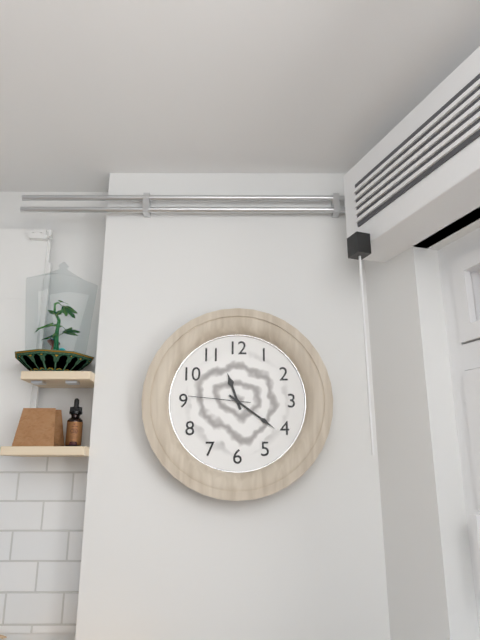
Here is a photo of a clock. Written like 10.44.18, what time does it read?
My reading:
11.21.46
